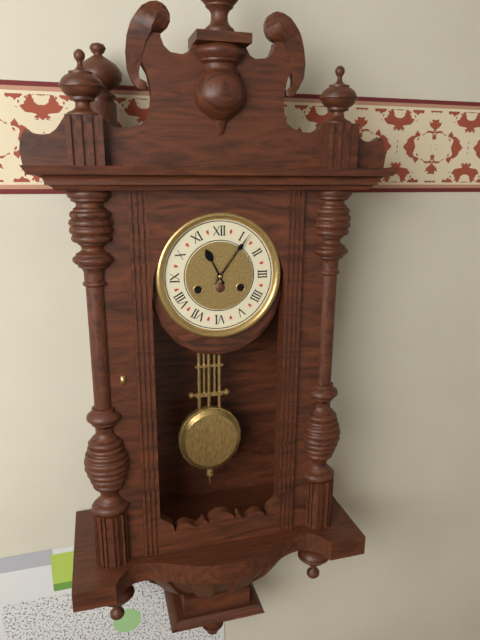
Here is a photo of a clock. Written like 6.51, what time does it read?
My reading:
11.06
